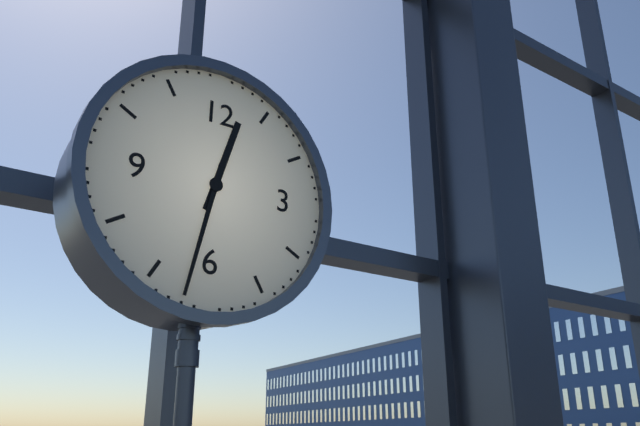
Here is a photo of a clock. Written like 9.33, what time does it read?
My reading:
12.32
